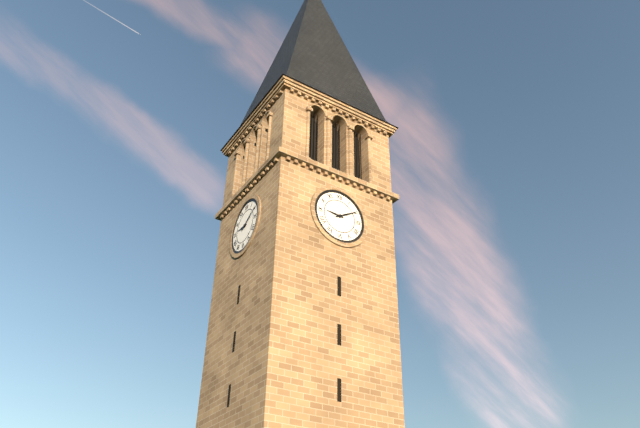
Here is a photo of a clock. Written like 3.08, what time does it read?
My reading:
9.10
